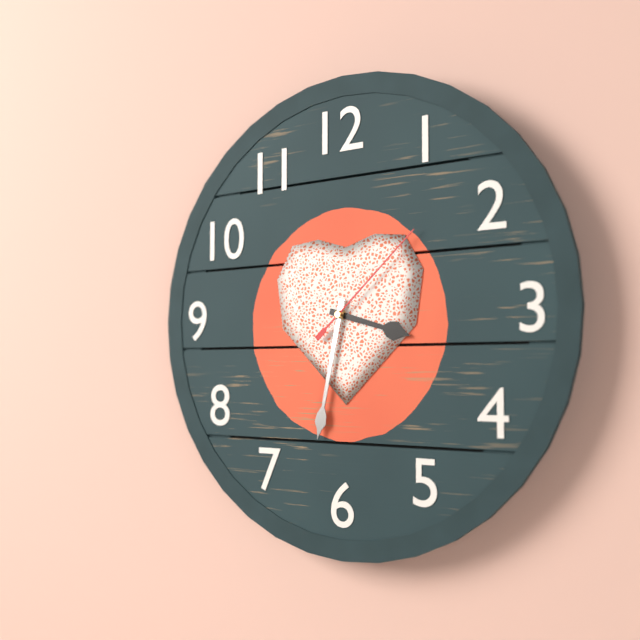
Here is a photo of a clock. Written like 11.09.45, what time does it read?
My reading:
3.32.08
